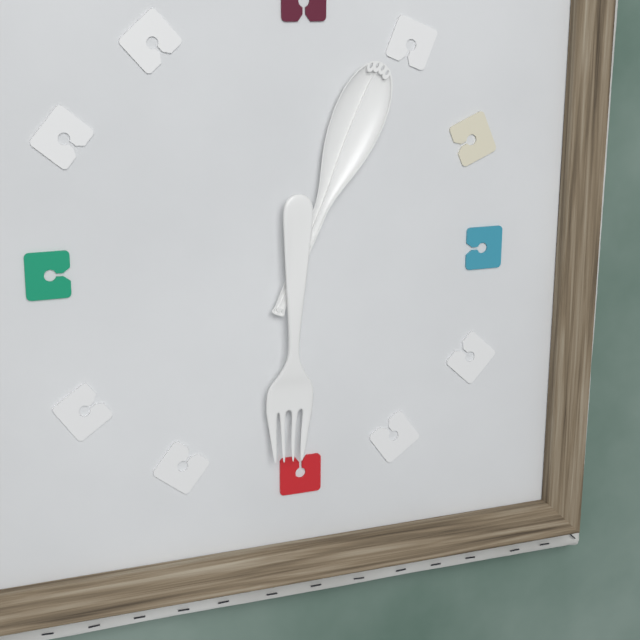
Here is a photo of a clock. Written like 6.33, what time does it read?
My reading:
6.04
